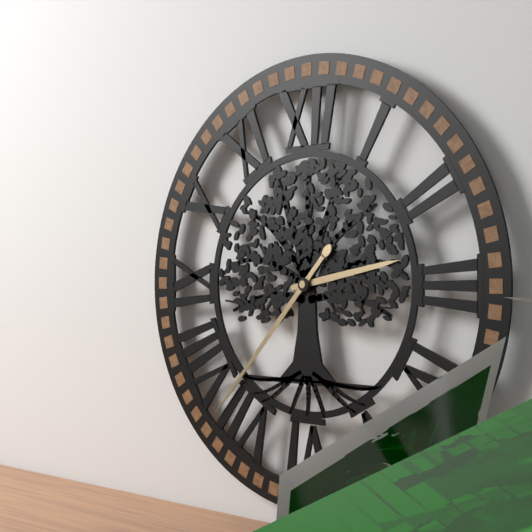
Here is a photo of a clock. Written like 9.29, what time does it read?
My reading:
2.37
